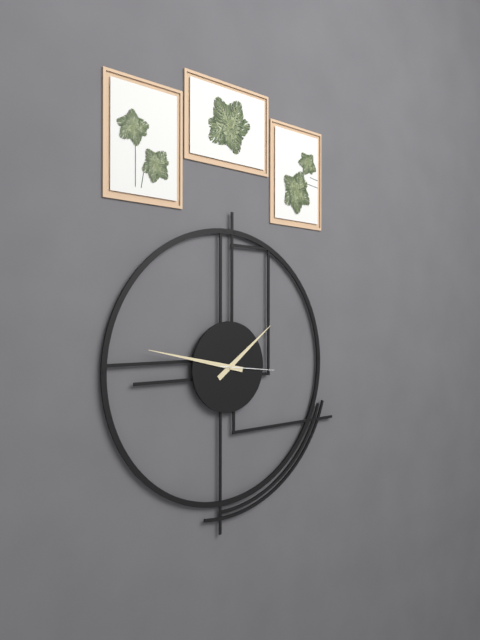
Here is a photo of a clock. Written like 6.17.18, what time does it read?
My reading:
1.47.16
